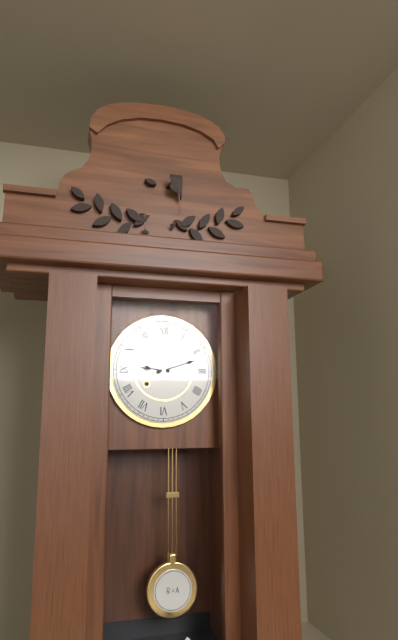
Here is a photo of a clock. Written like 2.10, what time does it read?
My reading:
9.12
